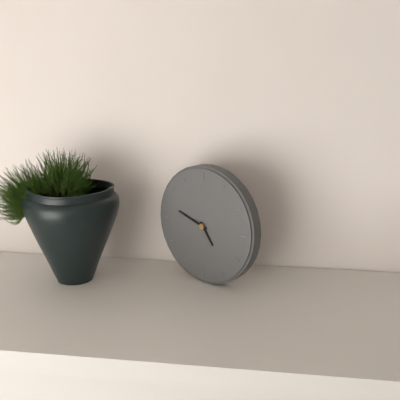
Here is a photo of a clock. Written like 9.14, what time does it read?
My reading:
4.48
